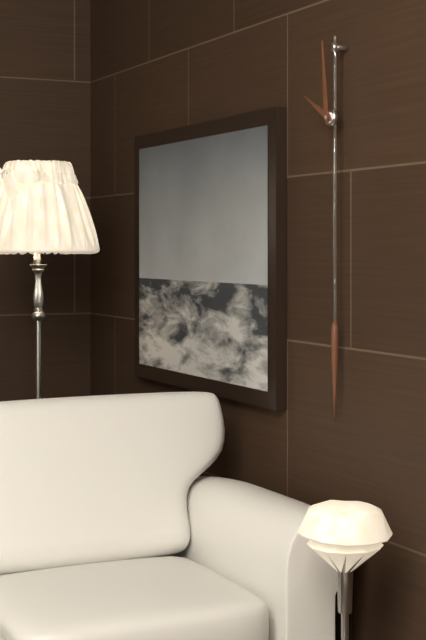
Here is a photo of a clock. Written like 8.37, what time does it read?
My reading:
9.59
